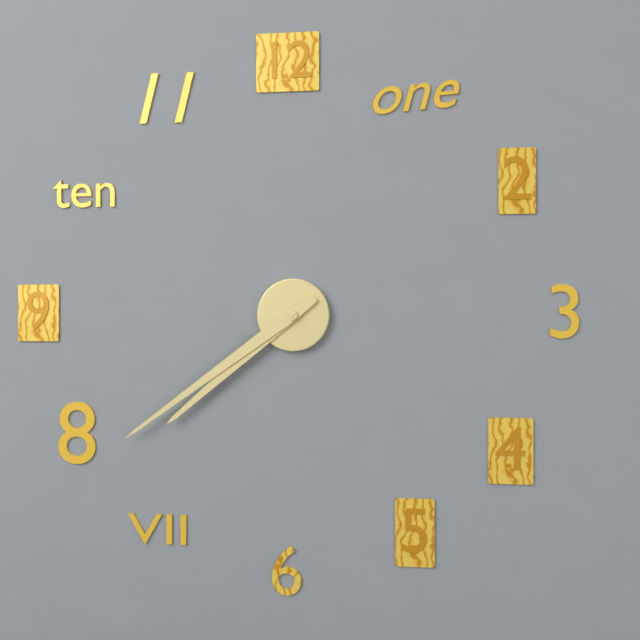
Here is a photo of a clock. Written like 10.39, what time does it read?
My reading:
7.39
